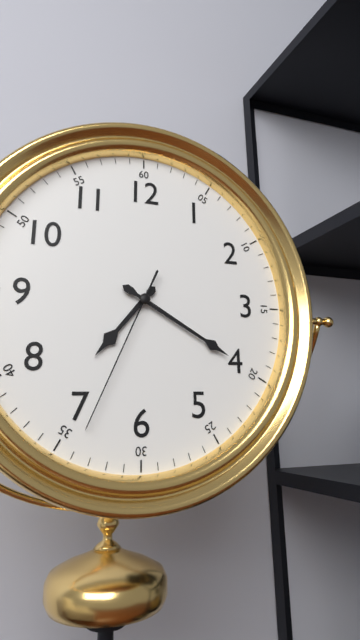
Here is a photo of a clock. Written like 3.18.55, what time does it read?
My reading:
7.20.34
